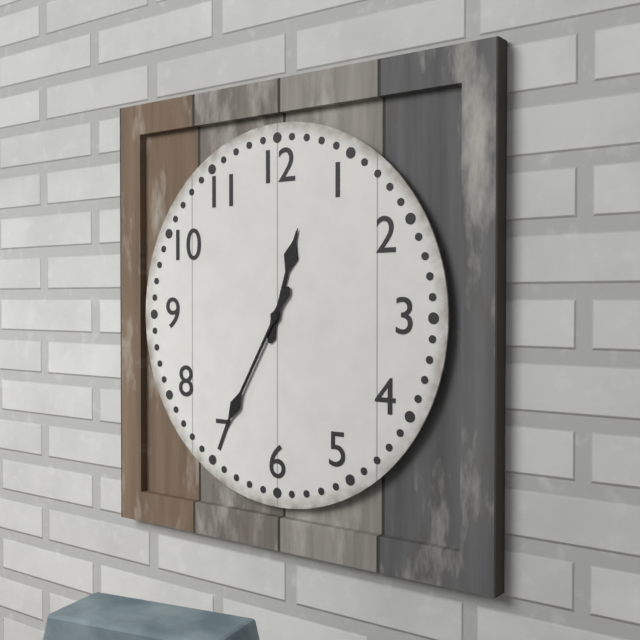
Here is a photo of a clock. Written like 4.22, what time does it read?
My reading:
12.35
